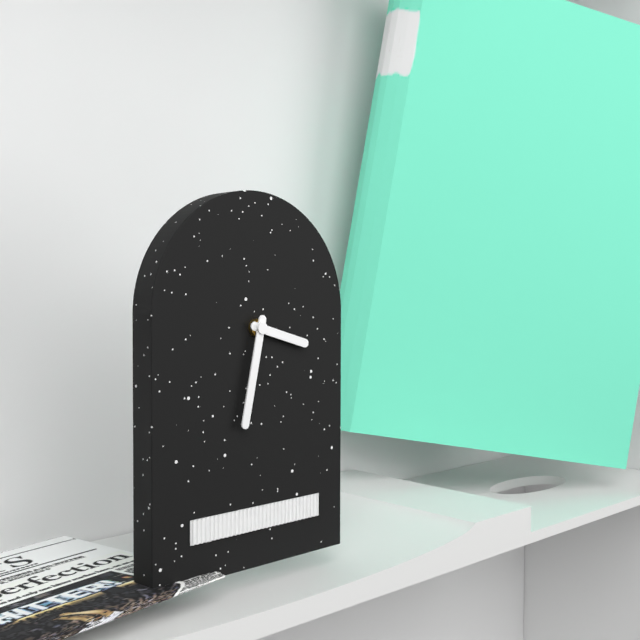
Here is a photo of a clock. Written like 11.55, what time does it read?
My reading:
3.32
